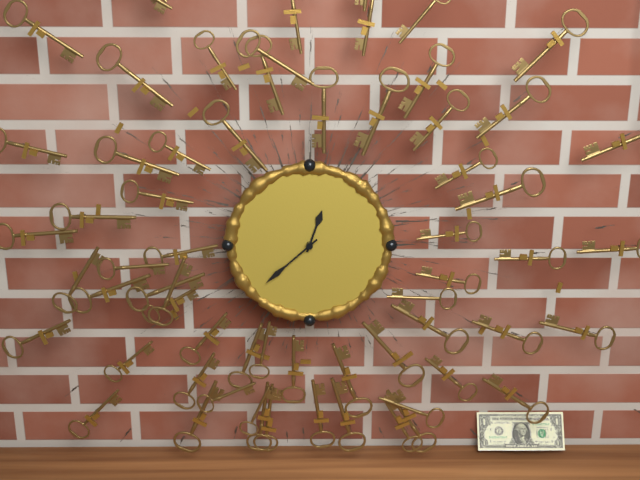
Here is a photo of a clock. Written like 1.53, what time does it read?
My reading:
12.38
